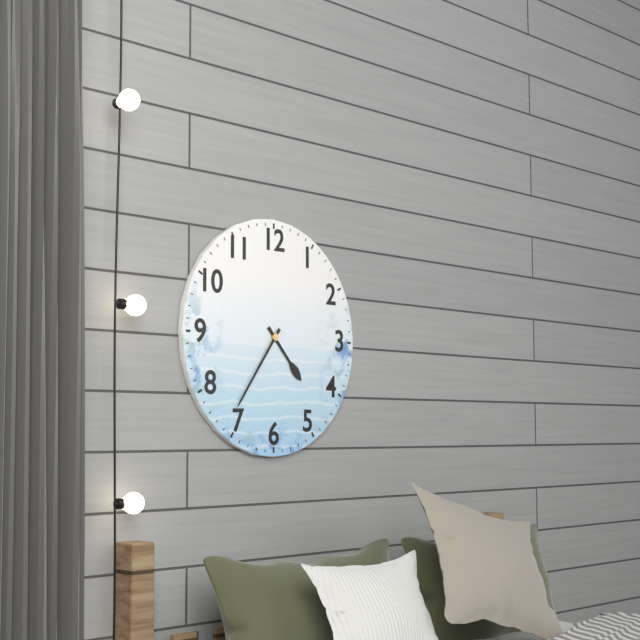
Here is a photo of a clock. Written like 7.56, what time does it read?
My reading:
4.36
